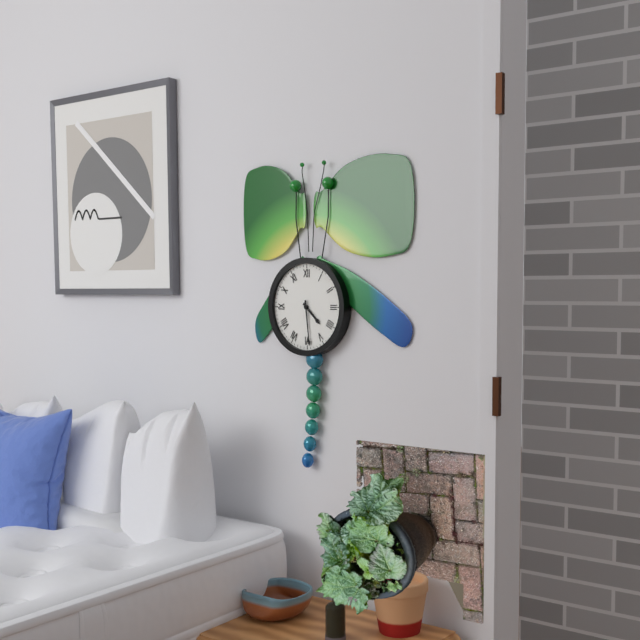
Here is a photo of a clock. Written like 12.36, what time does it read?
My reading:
4.29
